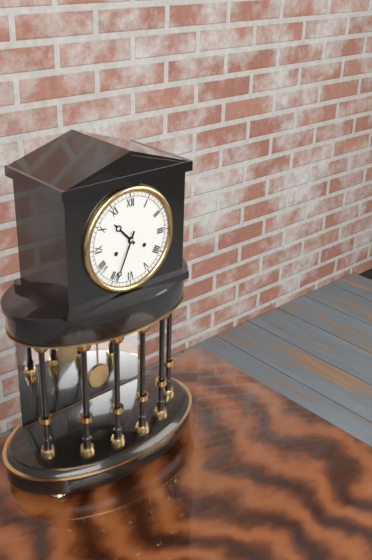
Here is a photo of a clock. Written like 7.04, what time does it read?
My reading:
10.34
